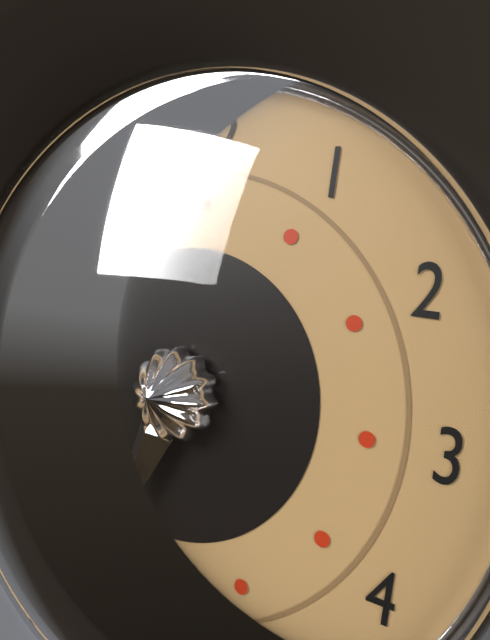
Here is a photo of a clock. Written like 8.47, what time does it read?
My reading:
6.33
